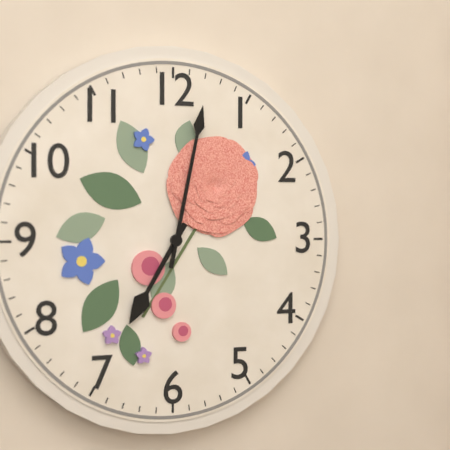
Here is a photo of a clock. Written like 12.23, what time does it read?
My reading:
7.02
